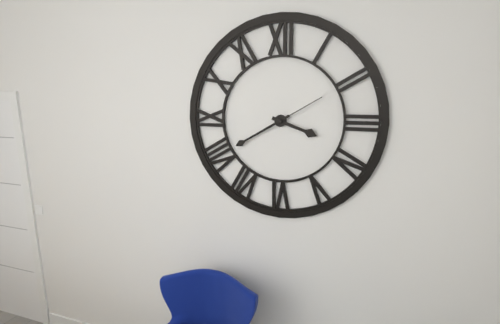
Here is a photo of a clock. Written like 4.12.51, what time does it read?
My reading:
3.40.10
